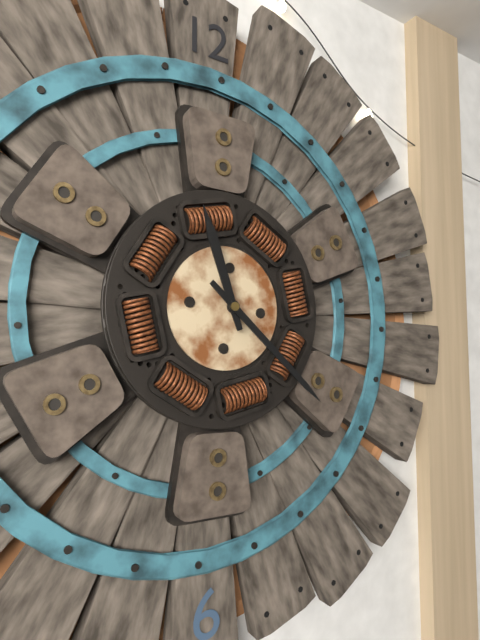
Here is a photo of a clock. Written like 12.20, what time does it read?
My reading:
11.22
